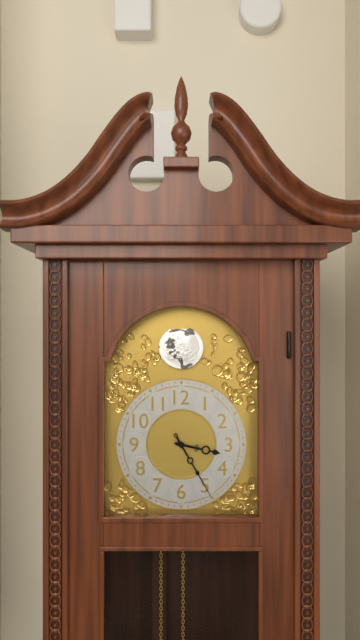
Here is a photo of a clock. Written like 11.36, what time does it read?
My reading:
3.25
